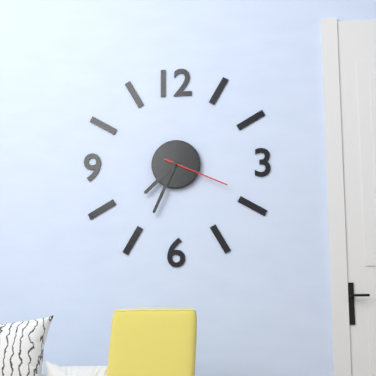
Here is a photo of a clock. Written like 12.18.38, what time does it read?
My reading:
7.34.19
